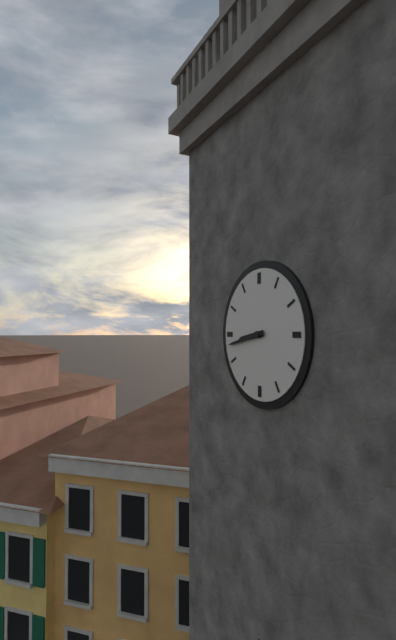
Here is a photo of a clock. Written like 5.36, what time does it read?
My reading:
8.43
